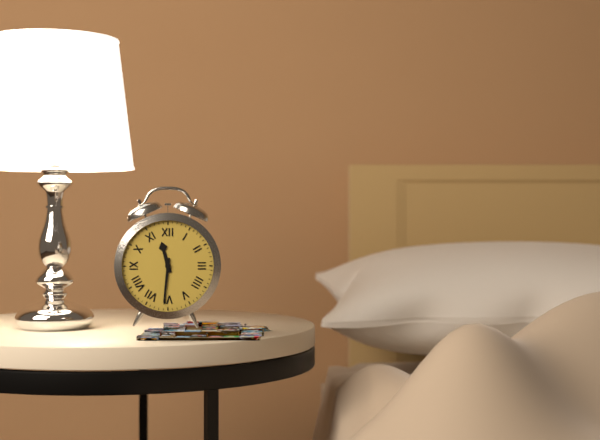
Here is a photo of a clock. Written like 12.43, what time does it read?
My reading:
11.31
